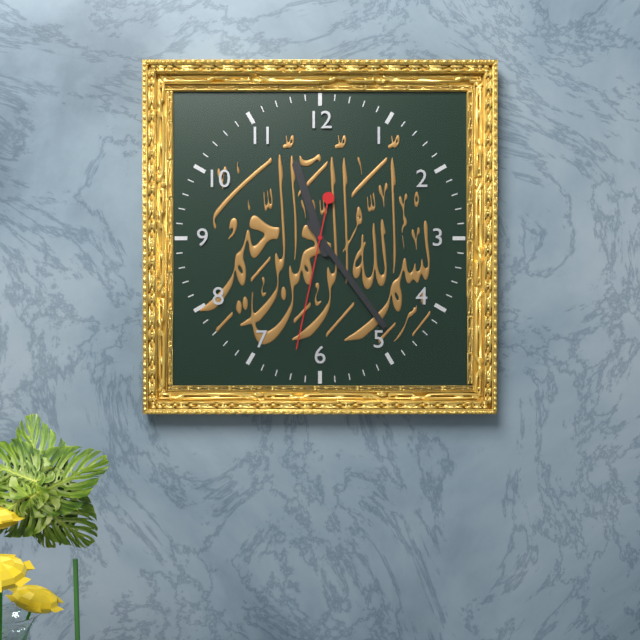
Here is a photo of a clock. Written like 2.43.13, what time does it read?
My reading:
11.24.32
